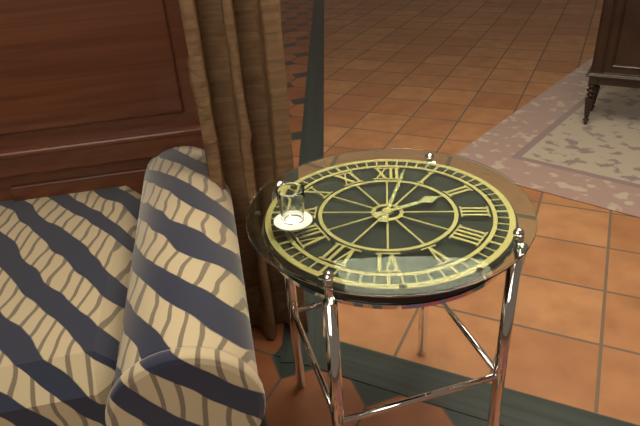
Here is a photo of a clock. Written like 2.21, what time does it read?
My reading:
2.02
